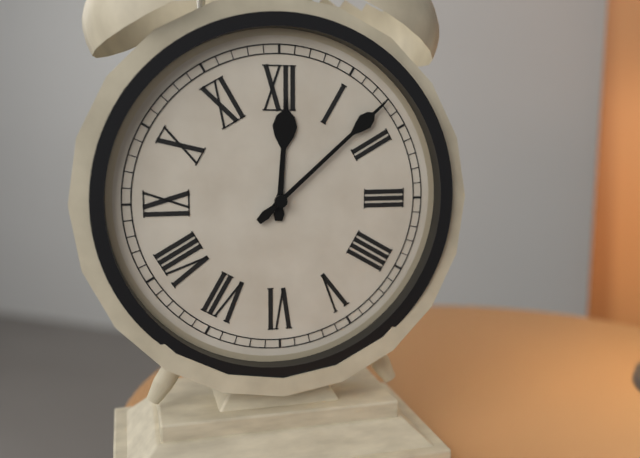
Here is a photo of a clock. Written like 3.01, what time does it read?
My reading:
12.08
